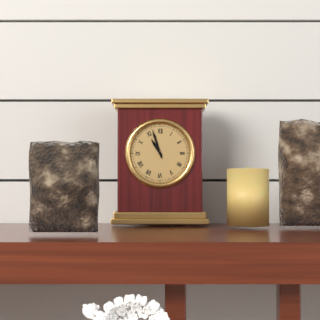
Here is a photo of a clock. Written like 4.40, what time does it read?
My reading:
10.57
